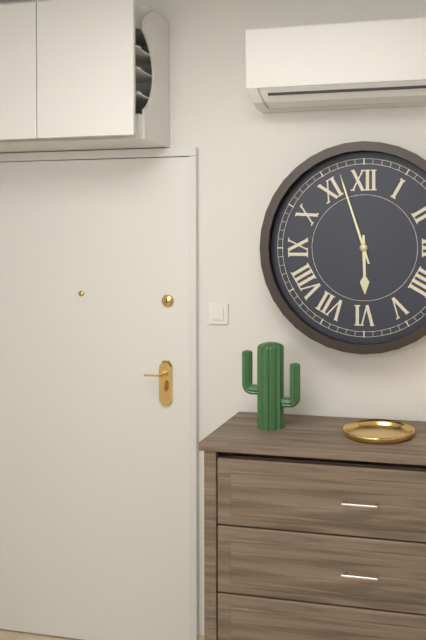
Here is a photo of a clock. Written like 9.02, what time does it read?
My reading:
5.57
